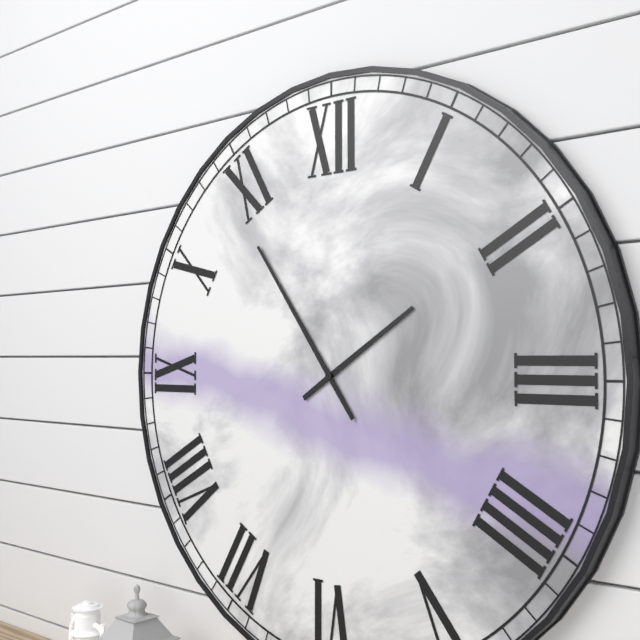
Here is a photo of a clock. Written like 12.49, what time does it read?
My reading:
1.54
